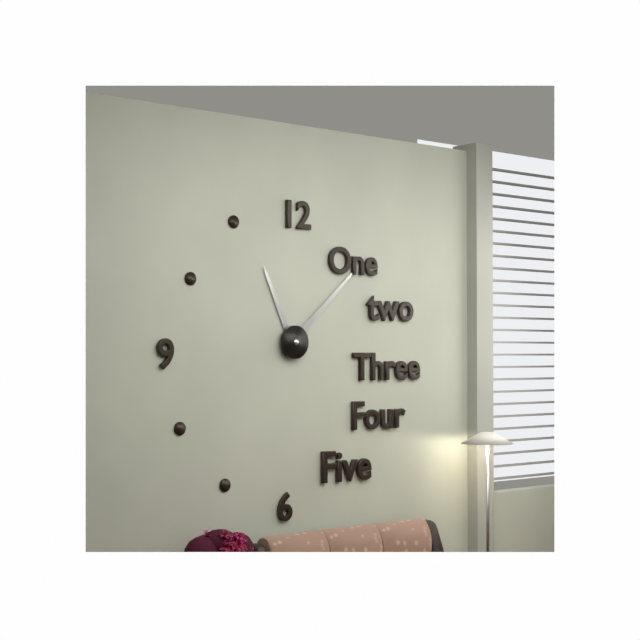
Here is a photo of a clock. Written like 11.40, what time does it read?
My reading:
11.08
